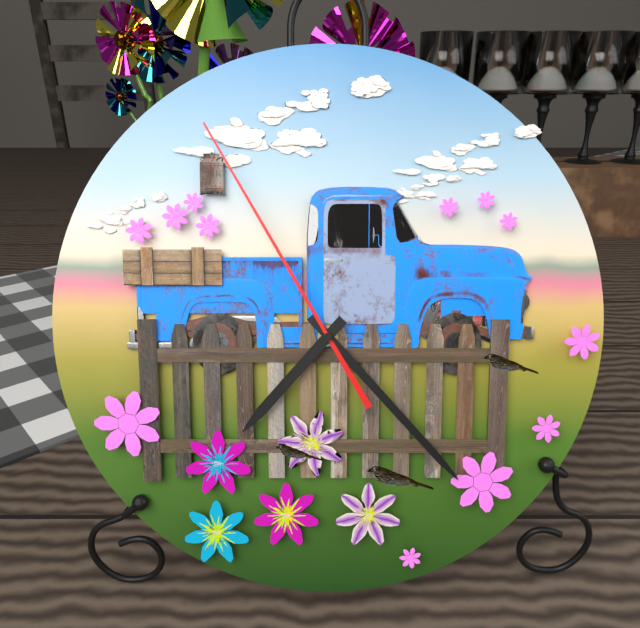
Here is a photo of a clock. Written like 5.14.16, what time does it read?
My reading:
7.23.55
